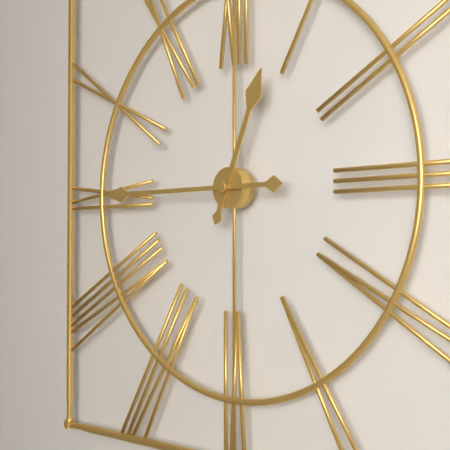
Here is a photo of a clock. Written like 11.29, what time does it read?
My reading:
12.45
